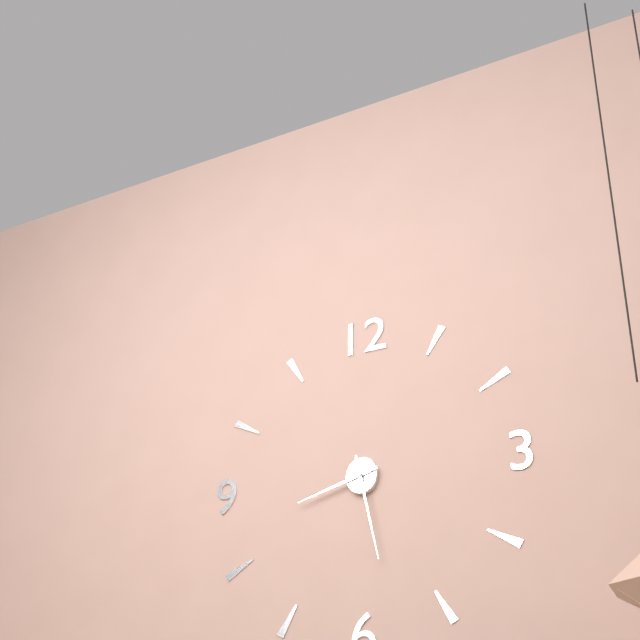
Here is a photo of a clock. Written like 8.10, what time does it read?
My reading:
8.28
